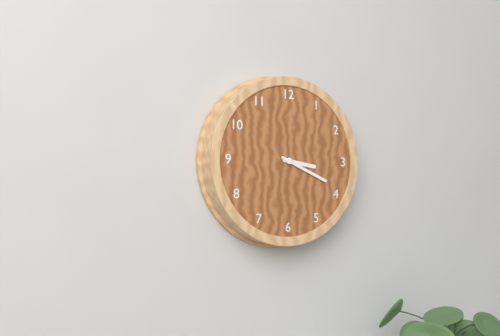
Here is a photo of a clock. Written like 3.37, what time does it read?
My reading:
3.19
